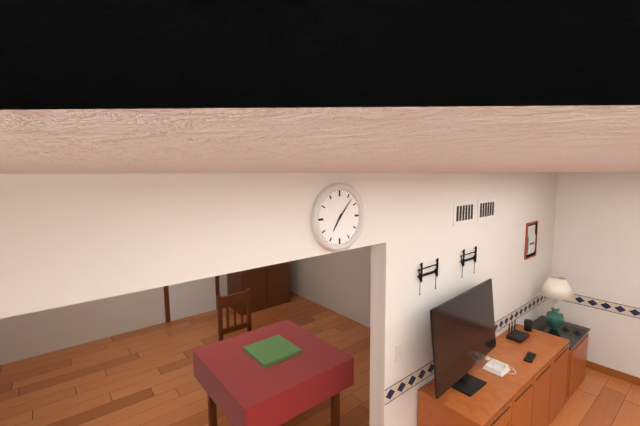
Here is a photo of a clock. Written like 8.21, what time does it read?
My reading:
7.07
